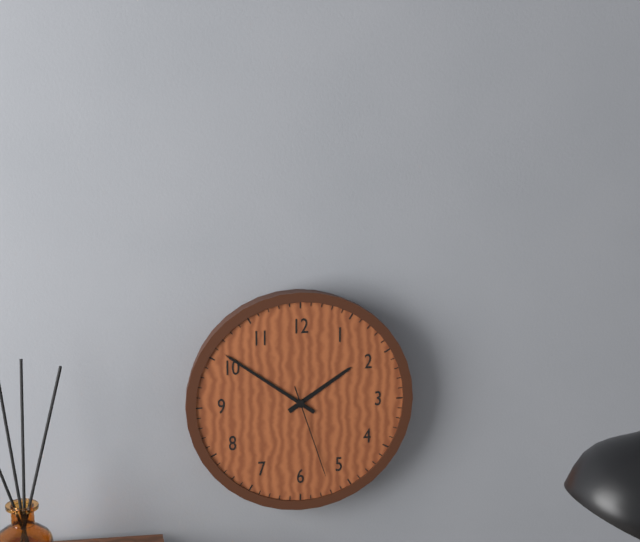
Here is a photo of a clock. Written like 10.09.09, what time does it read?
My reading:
1.51.27
